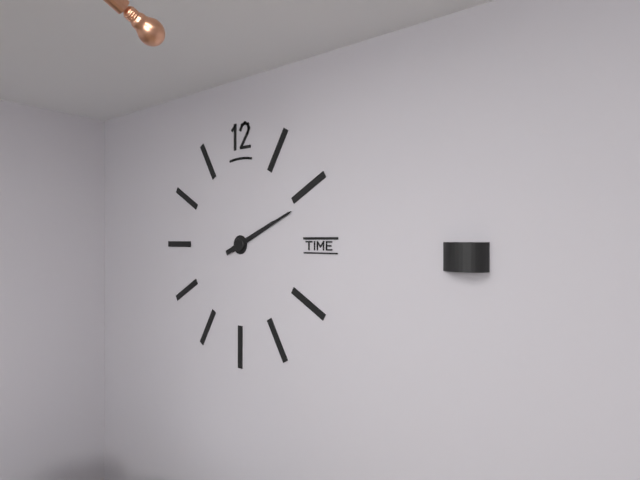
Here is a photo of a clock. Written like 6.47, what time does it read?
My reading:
2.11
